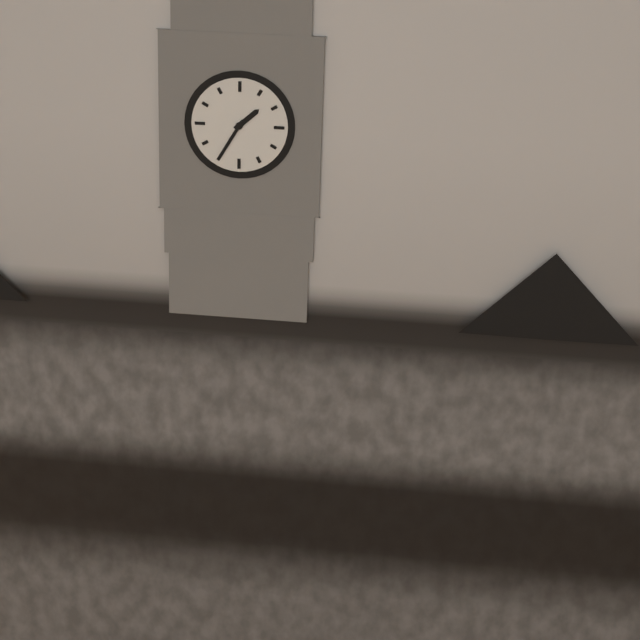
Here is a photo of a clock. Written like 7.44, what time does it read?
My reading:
1.35
